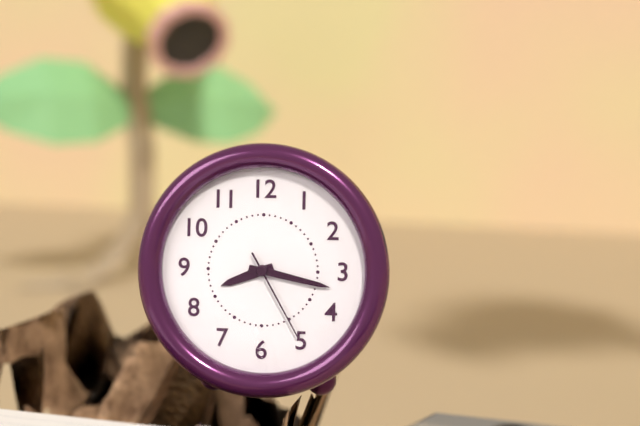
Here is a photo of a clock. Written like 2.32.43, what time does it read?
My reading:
8.17.25
